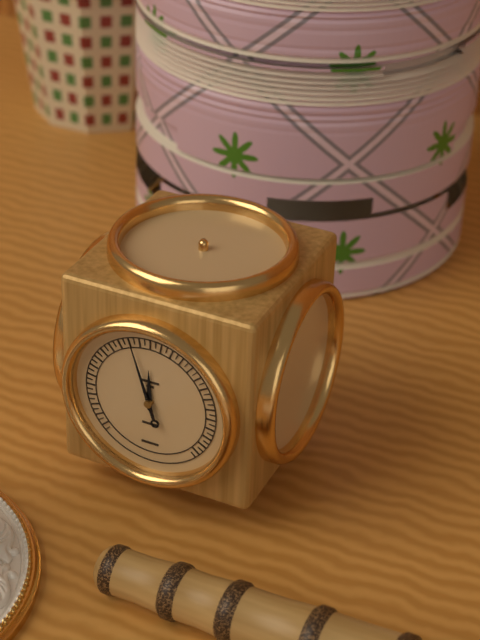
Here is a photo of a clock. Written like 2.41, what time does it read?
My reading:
11.57
